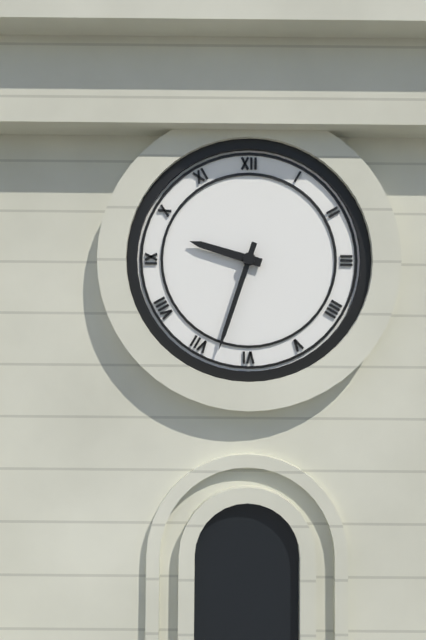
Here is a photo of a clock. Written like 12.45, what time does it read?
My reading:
9.33
